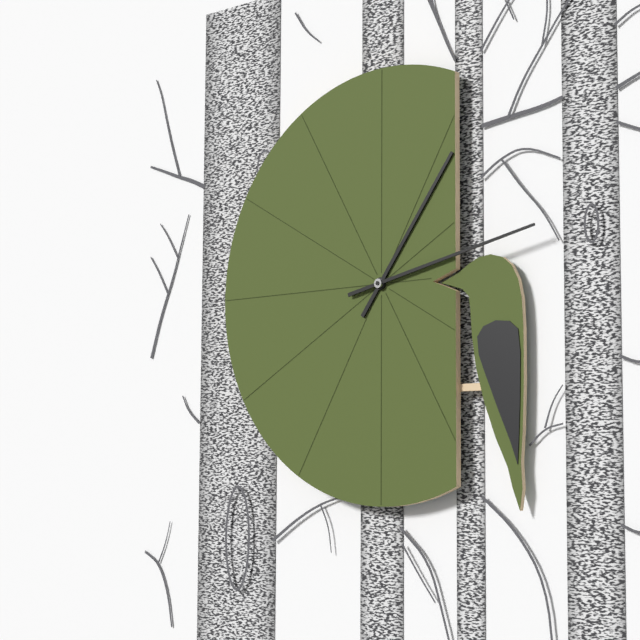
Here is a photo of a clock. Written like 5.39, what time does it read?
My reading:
1.13
